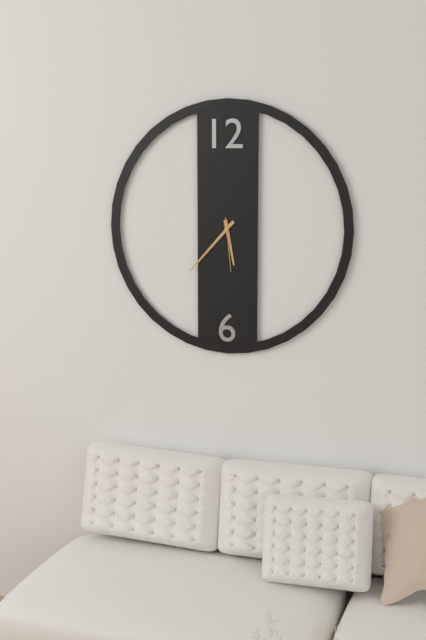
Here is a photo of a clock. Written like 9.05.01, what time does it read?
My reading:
5.37.29
